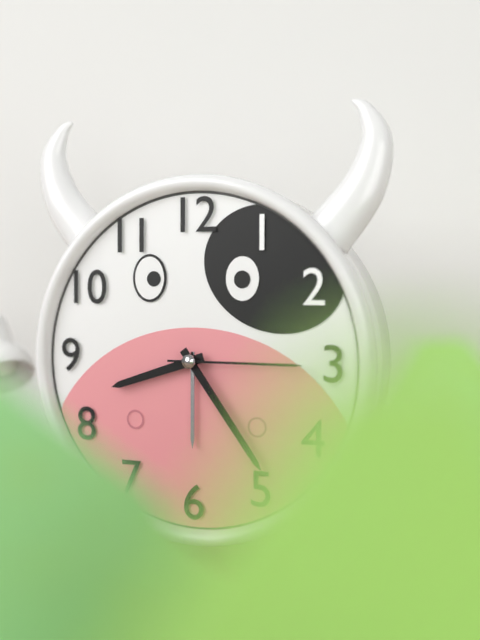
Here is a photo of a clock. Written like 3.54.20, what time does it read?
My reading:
8.24.15
